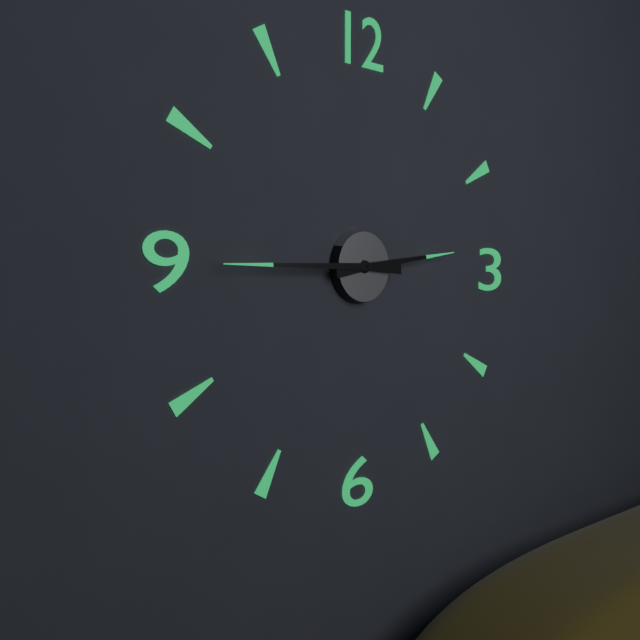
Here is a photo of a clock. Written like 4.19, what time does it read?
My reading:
2.45
